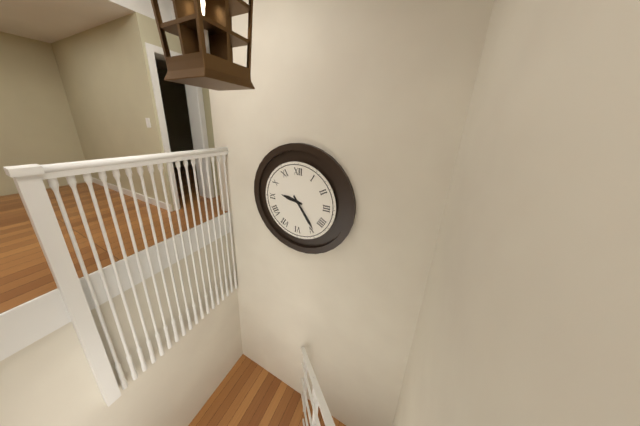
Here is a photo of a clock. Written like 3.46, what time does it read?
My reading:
9.24
